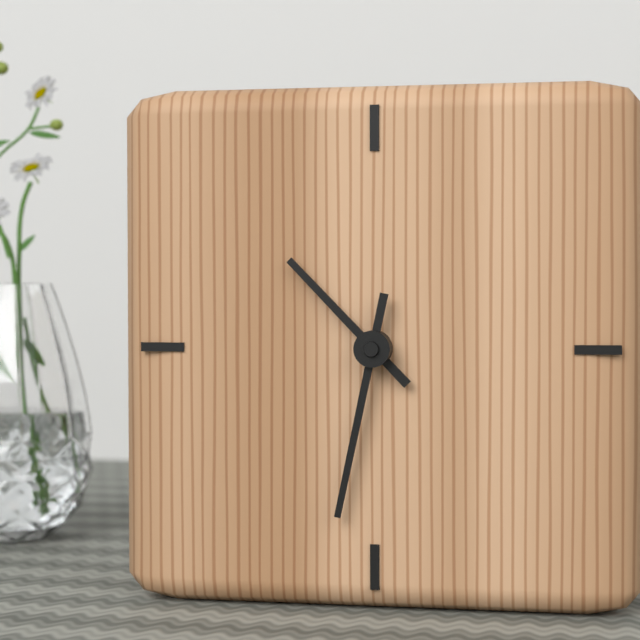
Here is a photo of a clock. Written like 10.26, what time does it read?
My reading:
10.32
